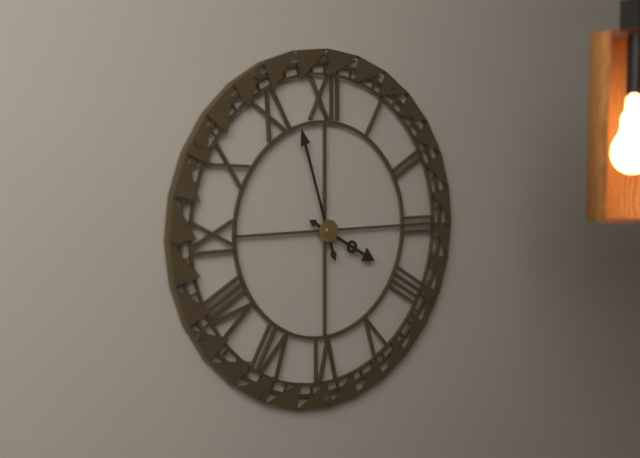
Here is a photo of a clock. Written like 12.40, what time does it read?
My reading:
3.57
